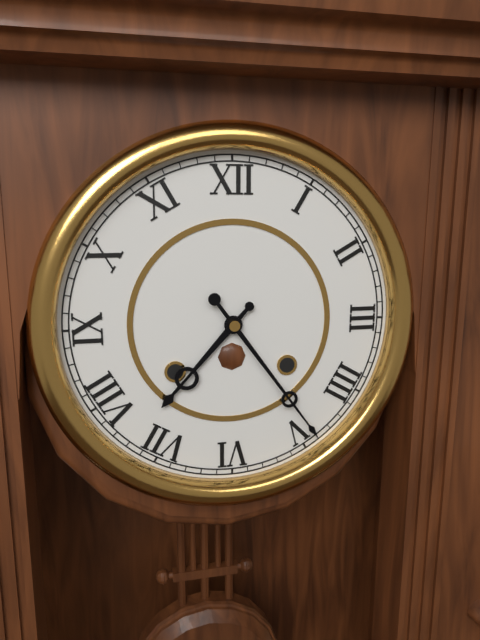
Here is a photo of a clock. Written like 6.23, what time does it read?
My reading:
7.24
